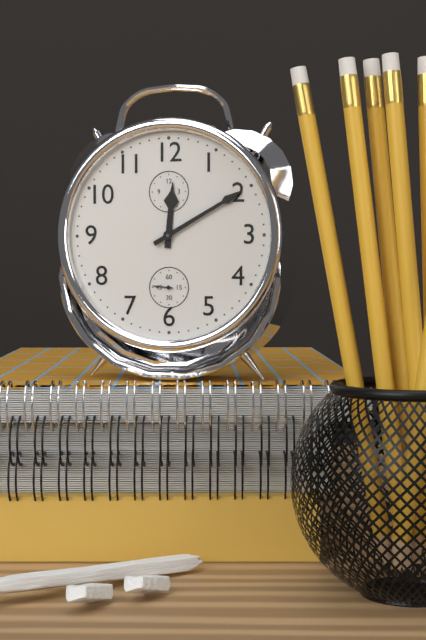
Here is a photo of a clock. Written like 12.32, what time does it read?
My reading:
12.10
